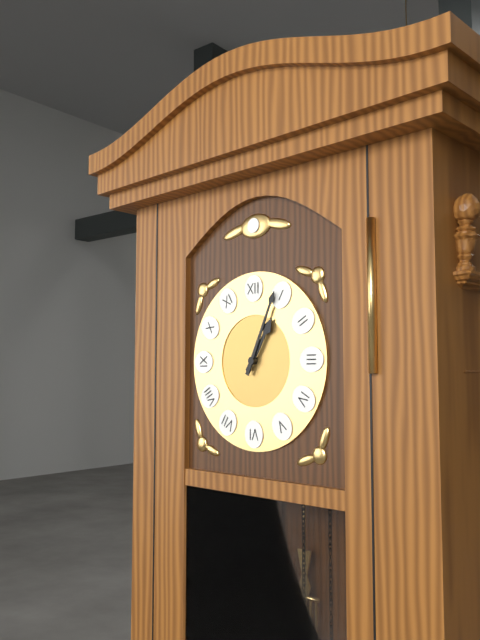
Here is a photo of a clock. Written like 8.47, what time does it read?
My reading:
1.04
